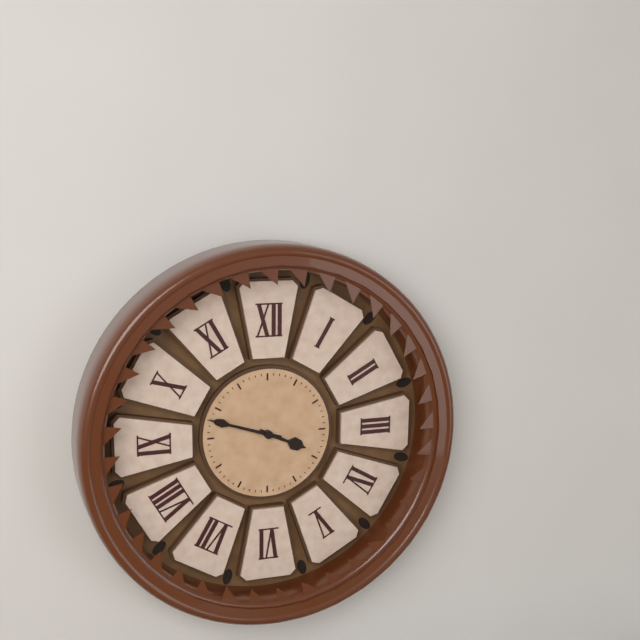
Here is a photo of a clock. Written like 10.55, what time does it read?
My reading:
3.48
